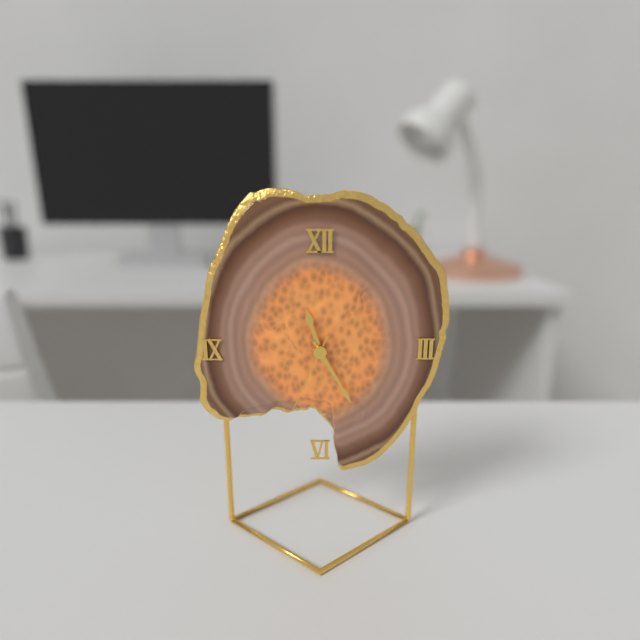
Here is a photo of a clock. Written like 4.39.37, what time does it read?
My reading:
11.25.34
